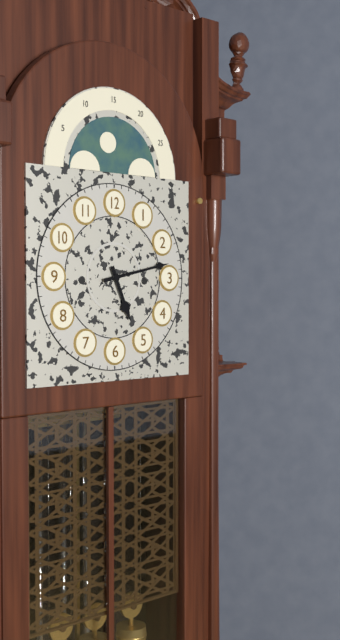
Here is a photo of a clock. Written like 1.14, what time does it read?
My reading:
5.13
